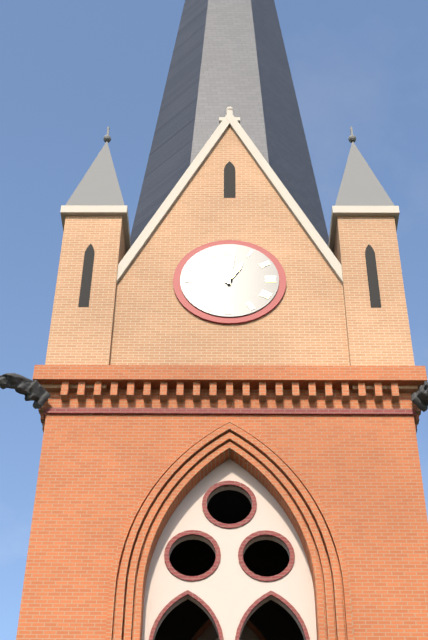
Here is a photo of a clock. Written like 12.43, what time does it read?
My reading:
1.01
